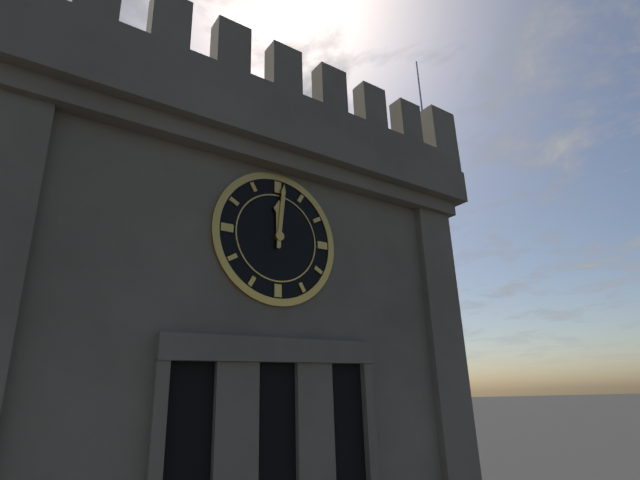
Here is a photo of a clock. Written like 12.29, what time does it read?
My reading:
12.01
